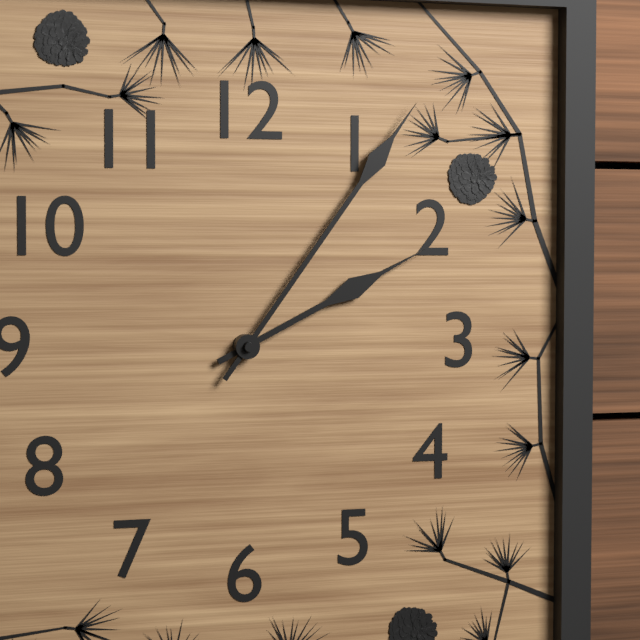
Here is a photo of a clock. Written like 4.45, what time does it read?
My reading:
2.06
